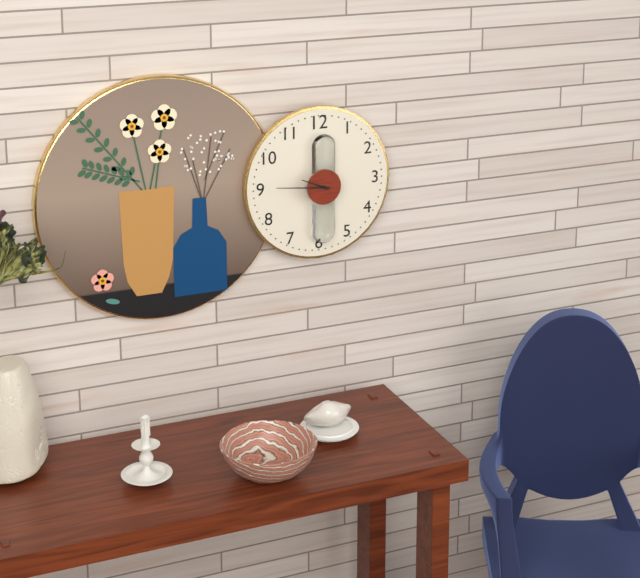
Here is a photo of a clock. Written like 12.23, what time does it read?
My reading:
9.46
